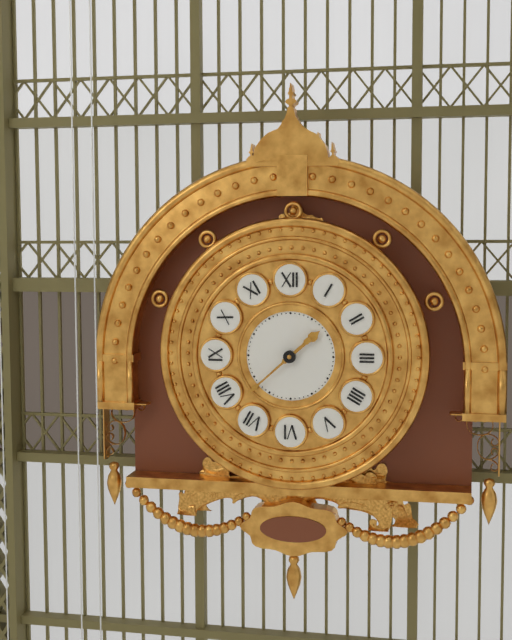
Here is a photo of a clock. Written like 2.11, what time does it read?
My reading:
1.38
